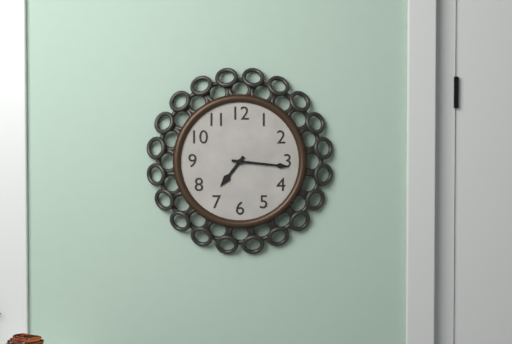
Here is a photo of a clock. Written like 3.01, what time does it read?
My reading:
7.16
